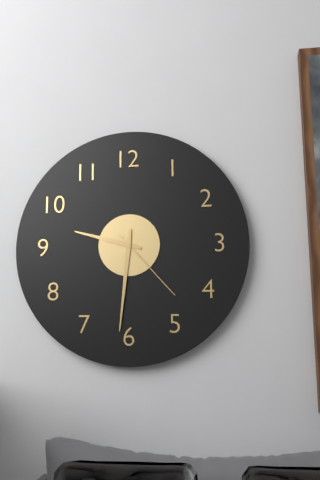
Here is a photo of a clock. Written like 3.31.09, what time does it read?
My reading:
9.31.23
